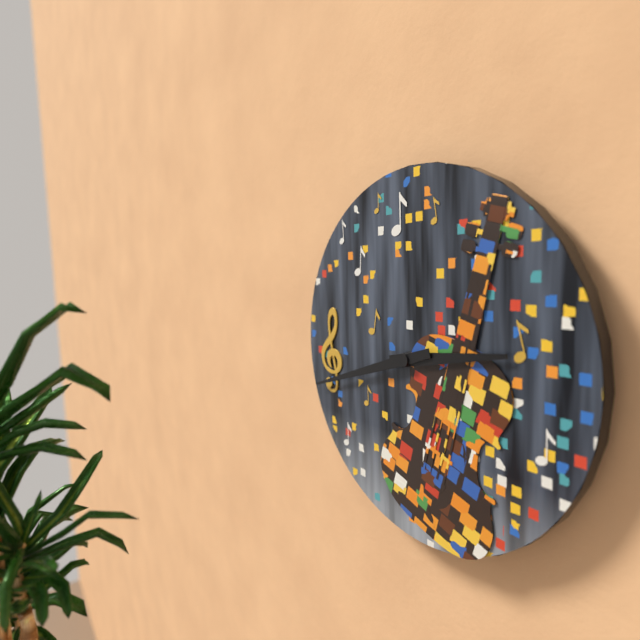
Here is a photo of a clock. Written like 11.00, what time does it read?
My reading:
2.42
